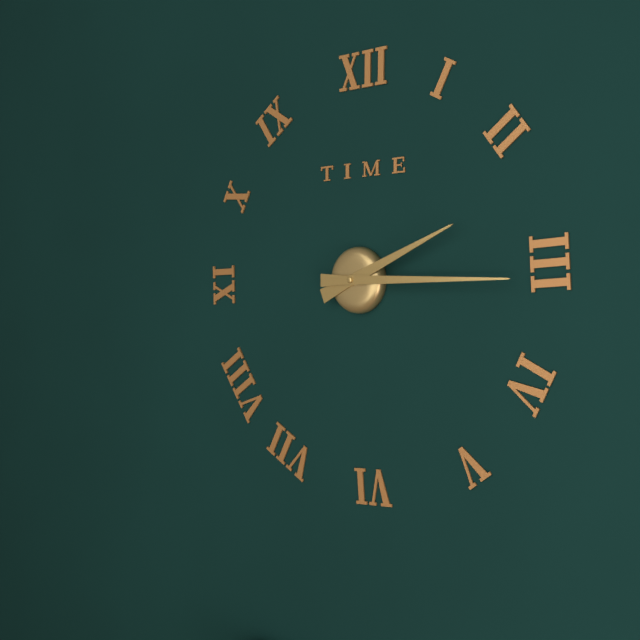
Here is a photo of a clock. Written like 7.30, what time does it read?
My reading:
2.15
